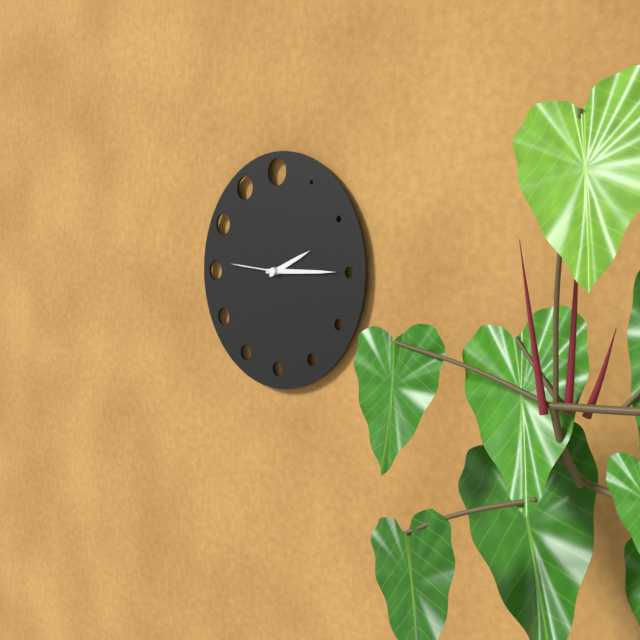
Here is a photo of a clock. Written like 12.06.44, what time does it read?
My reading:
2.15.46
